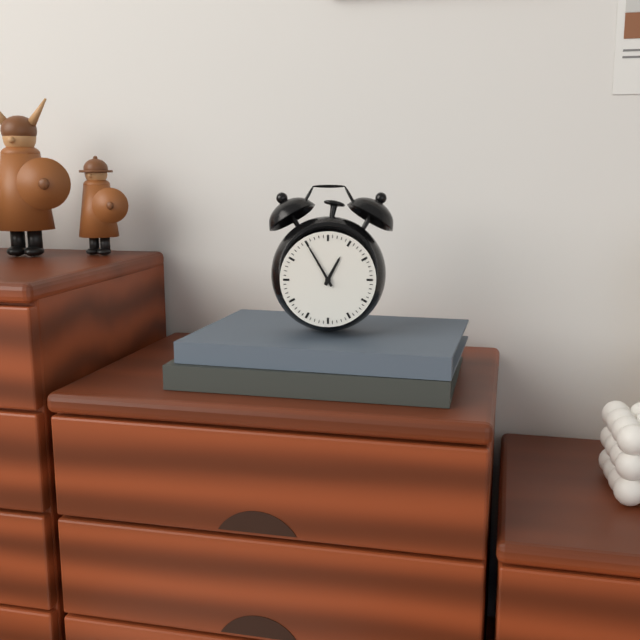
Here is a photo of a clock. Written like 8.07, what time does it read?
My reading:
12.55
